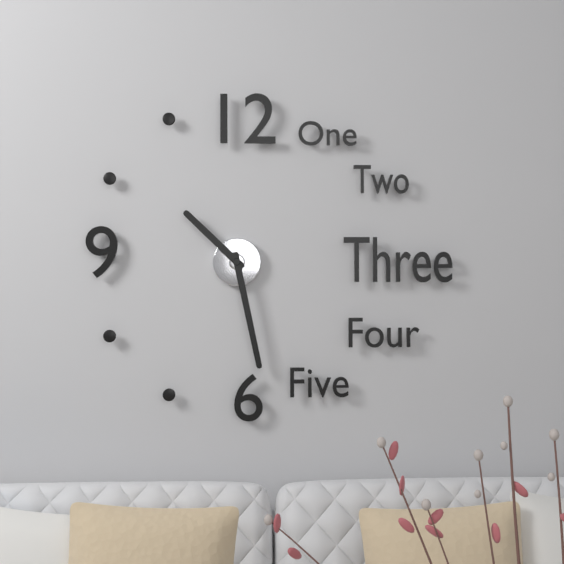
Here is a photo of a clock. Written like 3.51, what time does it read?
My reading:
10.28
